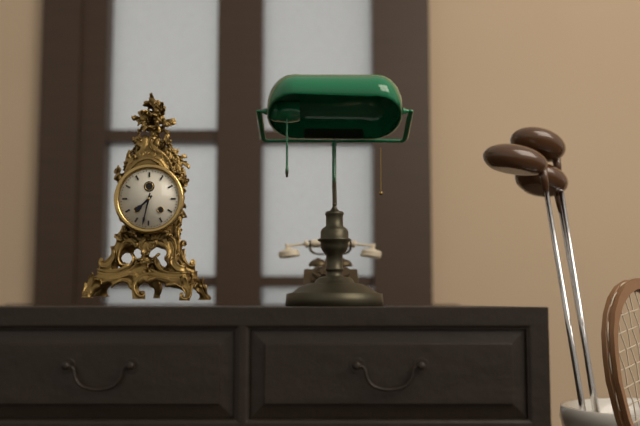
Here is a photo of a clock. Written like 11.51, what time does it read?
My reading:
7.32
